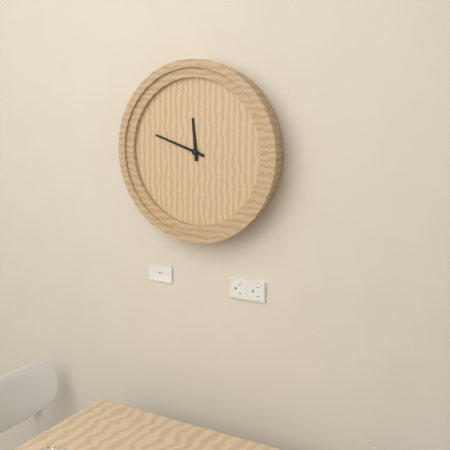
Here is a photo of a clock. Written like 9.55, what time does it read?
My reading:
11.48
